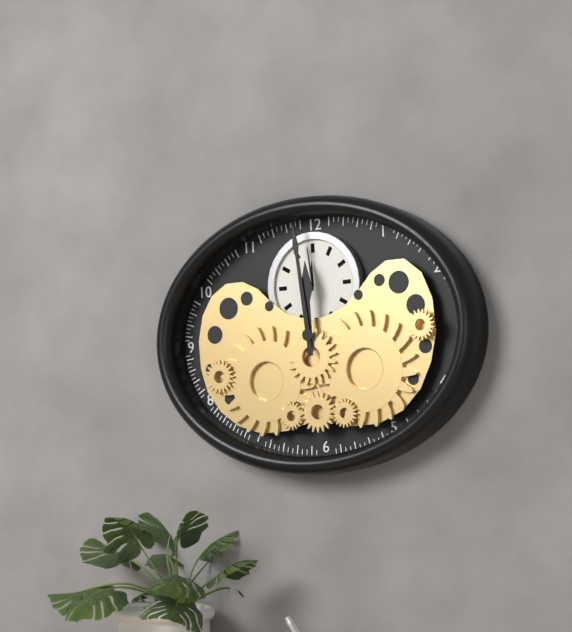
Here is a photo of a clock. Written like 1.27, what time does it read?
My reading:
11.59
